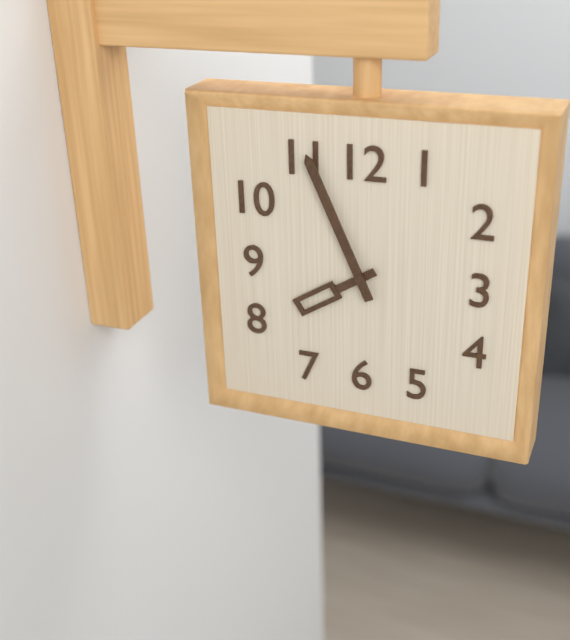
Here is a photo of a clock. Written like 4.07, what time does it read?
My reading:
7.56
